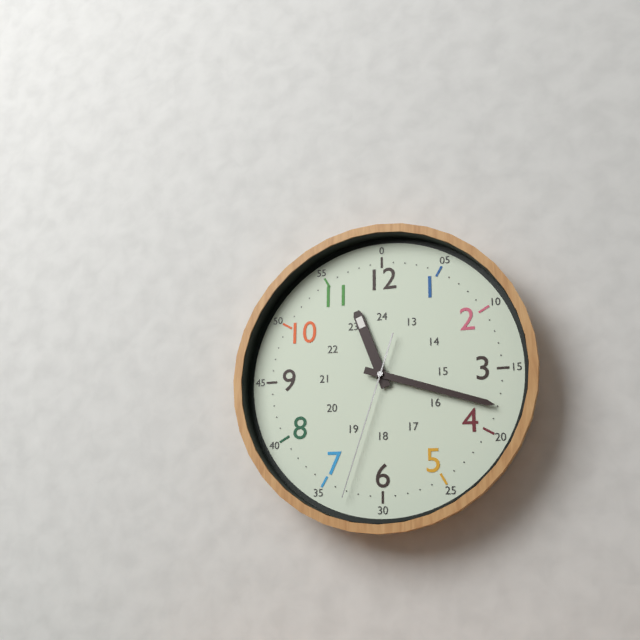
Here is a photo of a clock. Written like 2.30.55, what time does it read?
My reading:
11.18.33
